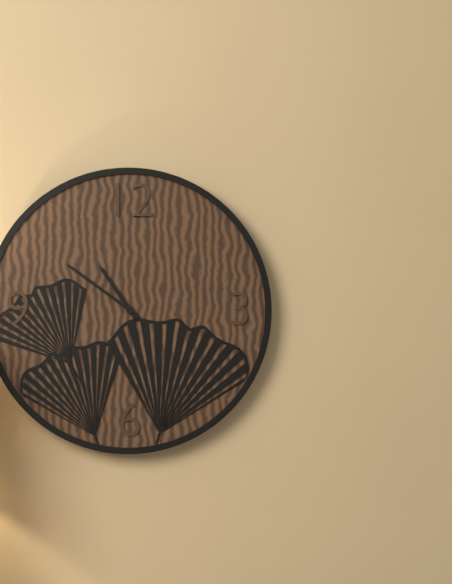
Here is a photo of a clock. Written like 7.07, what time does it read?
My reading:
10.51
